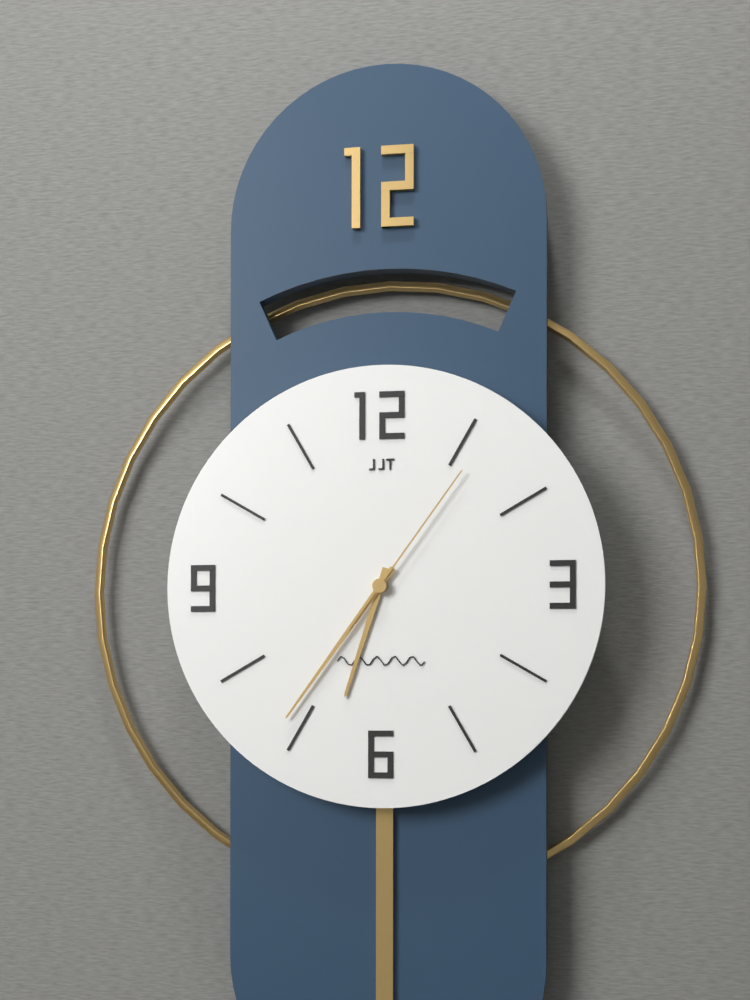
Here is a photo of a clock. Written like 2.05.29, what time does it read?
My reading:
6.36.06
